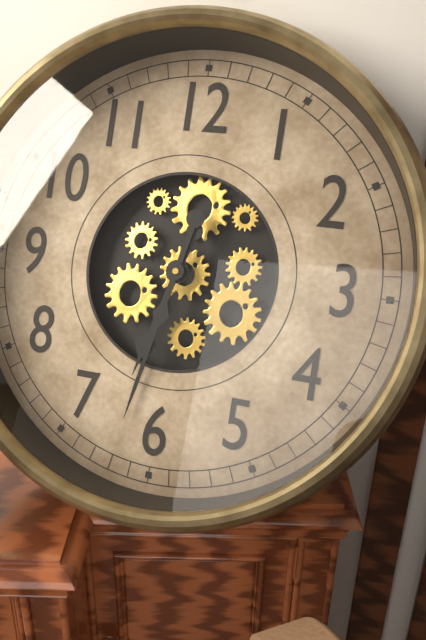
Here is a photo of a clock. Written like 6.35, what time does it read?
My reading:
6.32
